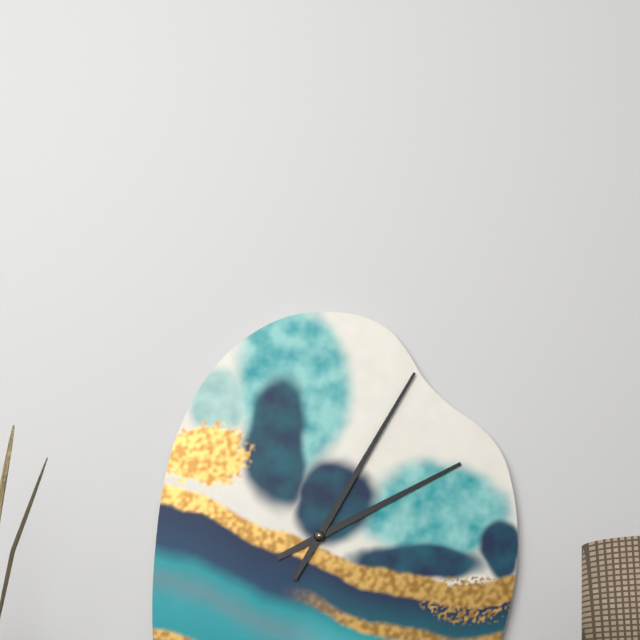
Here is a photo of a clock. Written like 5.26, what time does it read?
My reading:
2.05
